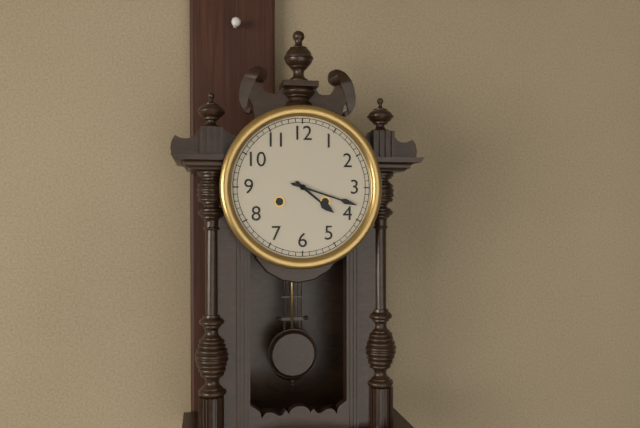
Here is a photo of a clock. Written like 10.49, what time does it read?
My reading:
4.18
